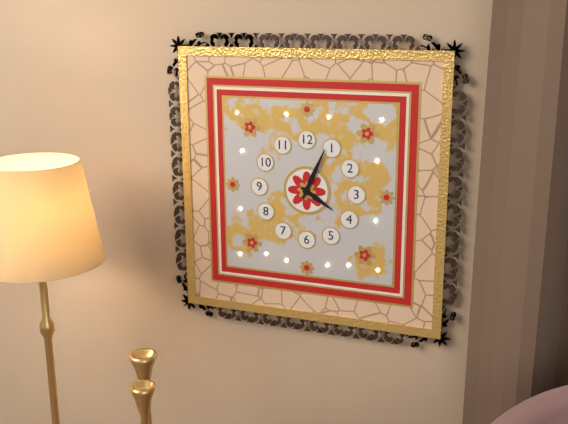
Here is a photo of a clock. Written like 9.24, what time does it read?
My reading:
4.04
